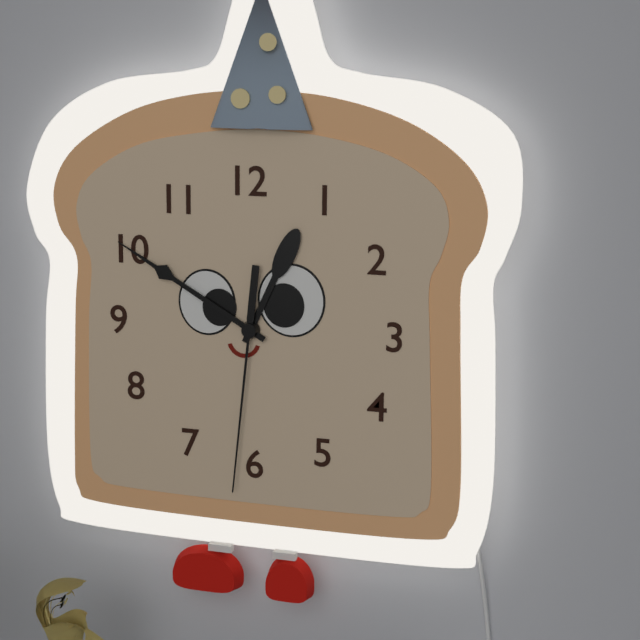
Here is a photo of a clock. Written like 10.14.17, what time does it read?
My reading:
12.50.31
